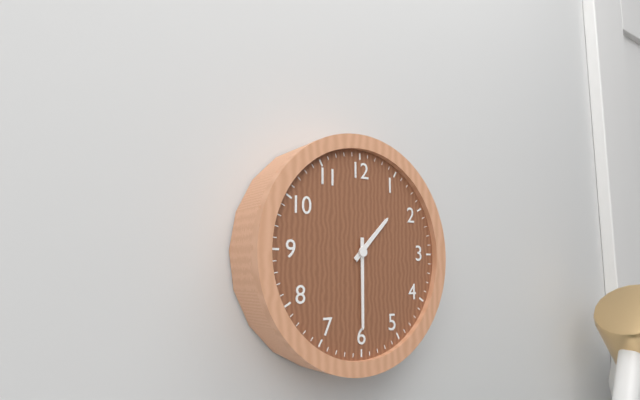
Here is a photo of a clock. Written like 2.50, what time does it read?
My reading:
1.30
